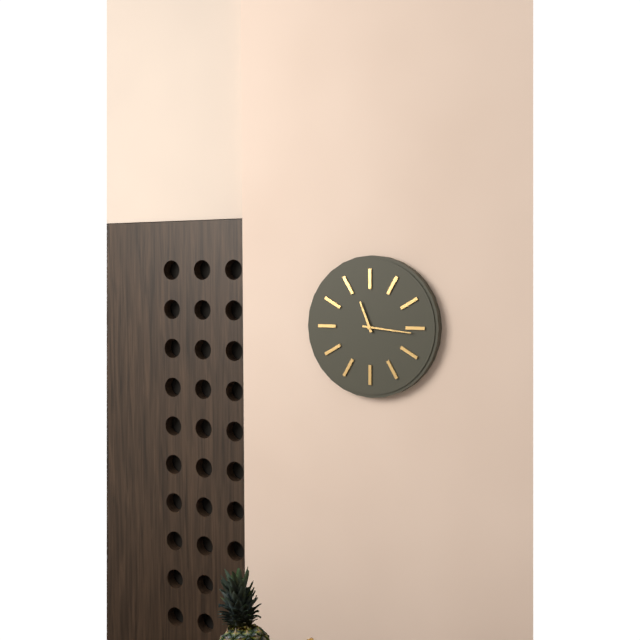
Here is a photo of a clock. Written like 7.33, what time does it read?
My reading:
11.16
